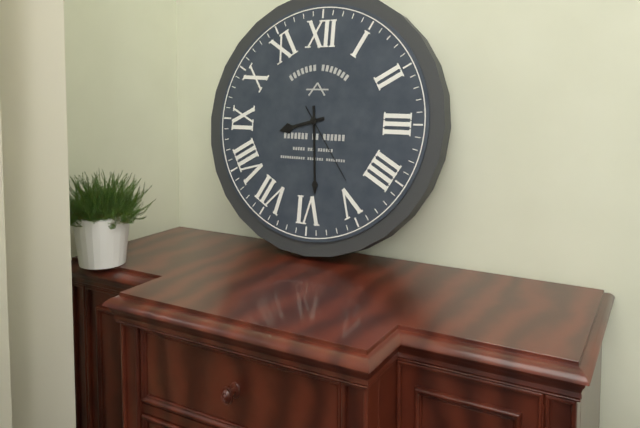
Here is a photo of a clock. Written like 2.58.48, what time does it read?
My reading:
8.29.24
